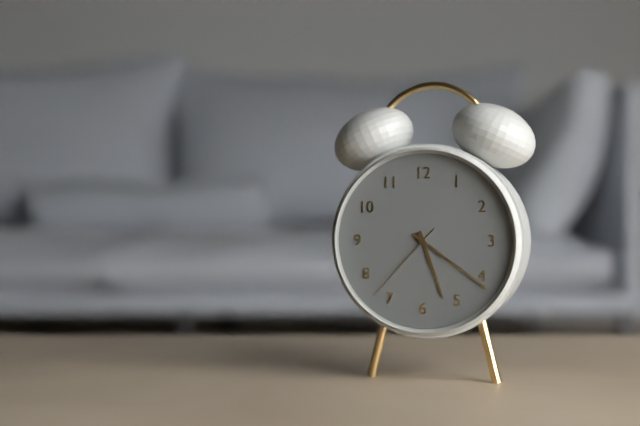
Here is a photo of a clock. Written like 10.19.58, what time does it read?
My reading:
5.21.37
